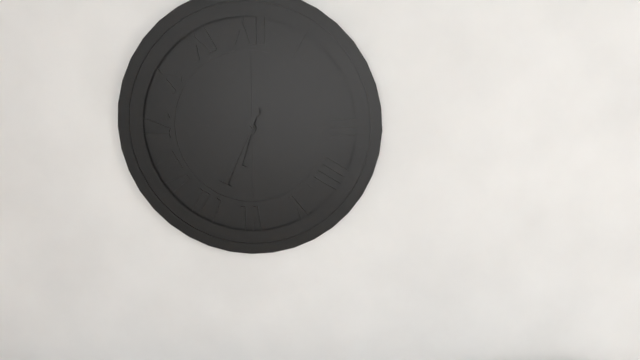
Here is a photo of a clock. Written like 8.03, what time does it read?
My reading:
6.34
